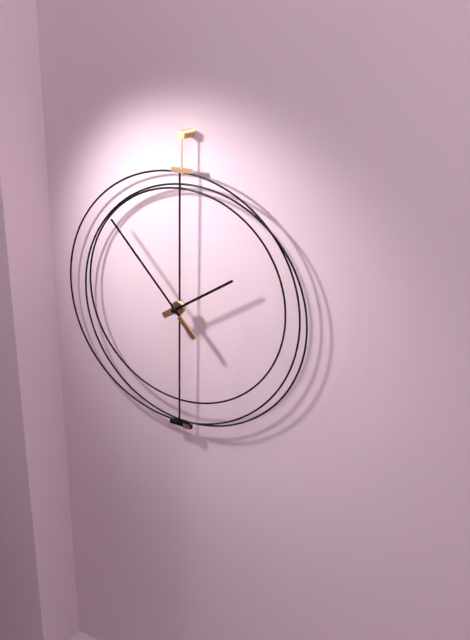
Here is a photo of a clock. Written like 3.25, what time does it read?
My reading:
1.53
